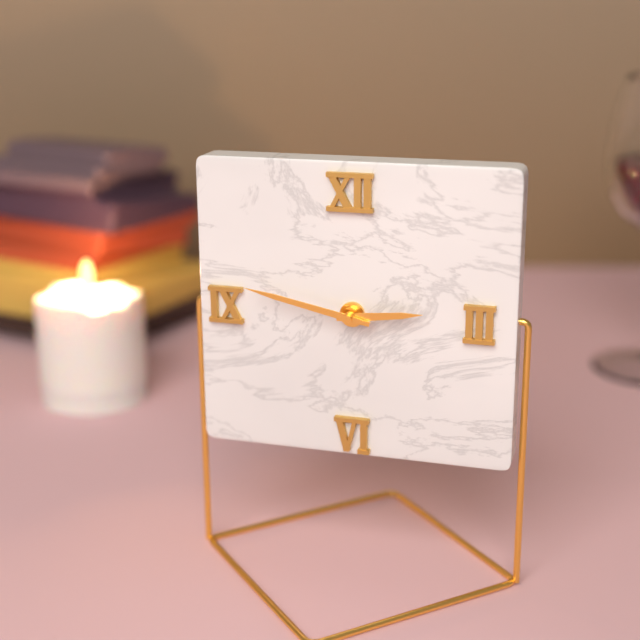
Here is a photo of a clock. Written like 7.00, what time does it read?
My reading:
2.47
